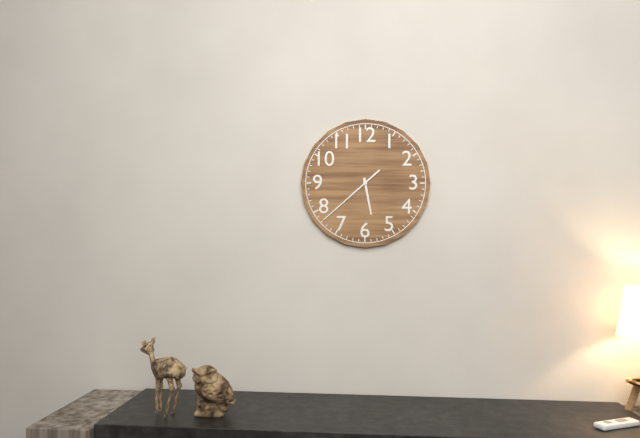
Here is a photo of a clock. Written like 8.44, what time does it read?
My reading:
5.38
